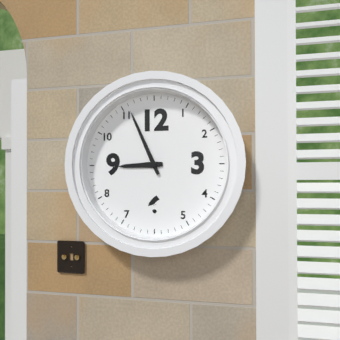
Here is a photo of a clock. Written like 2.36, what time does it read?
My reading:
8.56
